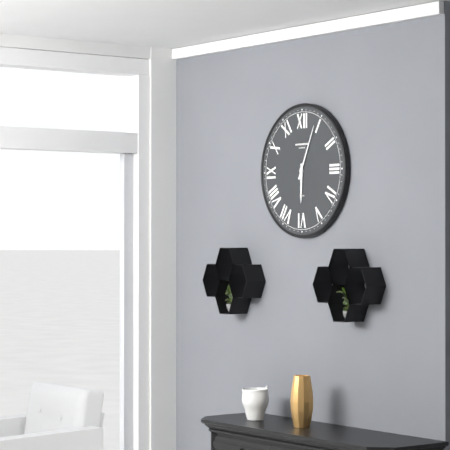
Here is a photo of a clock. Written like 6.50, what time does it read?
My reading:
6.04
